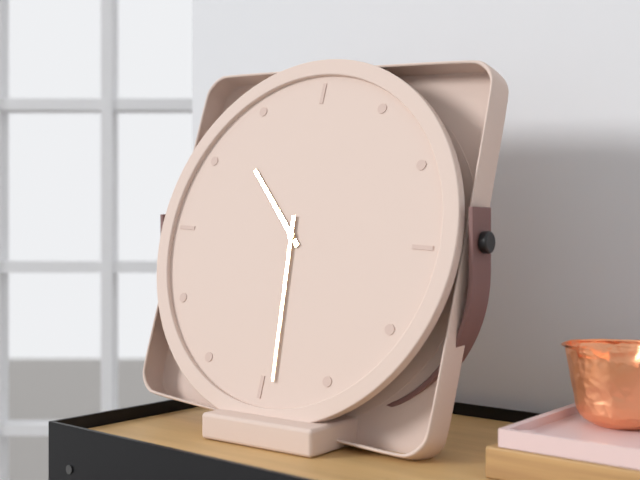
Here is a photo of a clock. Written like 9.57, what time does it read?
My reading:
10.29
